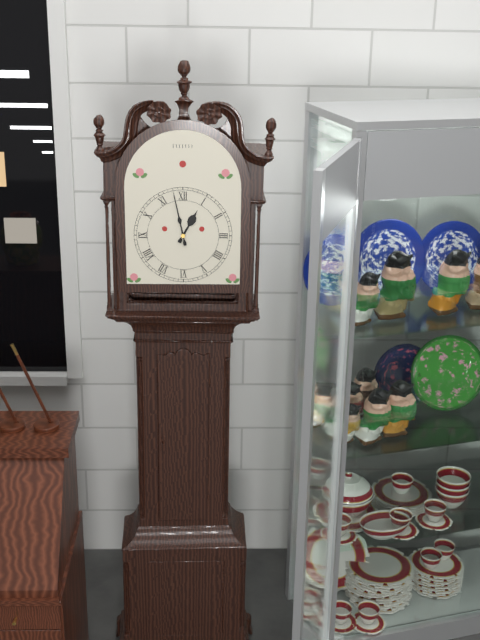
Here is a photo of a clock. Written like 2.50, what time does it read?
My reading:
12.58
